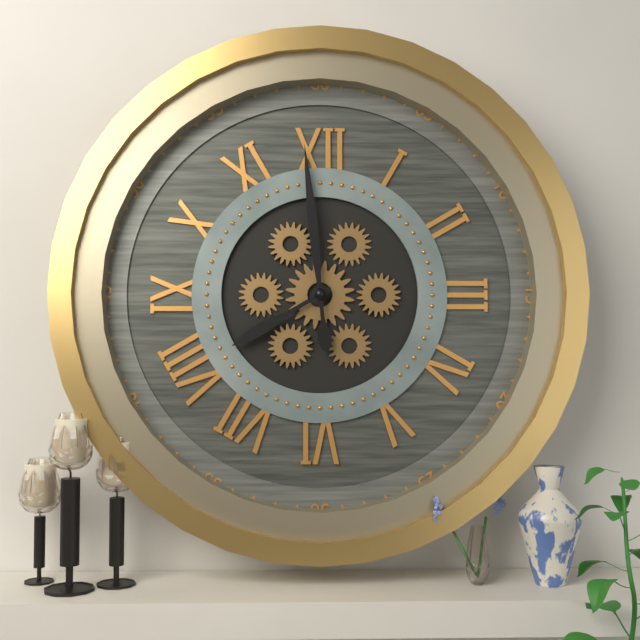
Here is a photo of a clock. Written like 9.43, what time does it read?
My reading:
7.59
